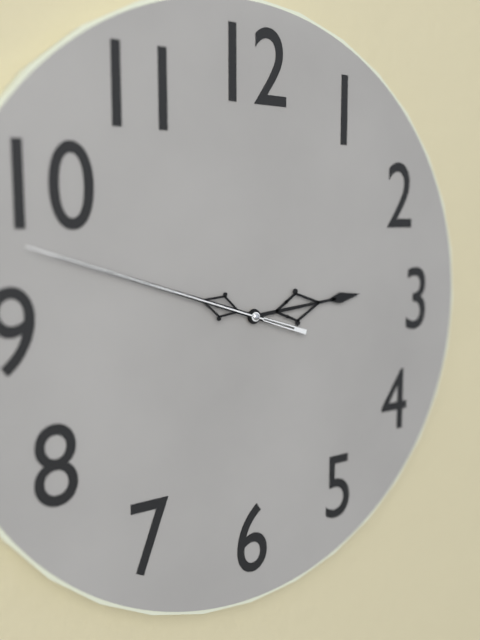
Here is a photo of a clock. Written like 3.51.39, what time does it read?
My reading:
2.48.48
